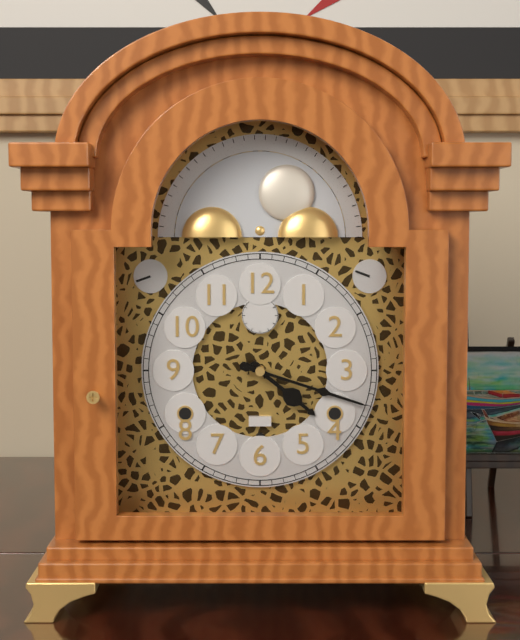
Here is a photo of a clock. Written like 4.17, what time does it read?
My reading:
4.18
